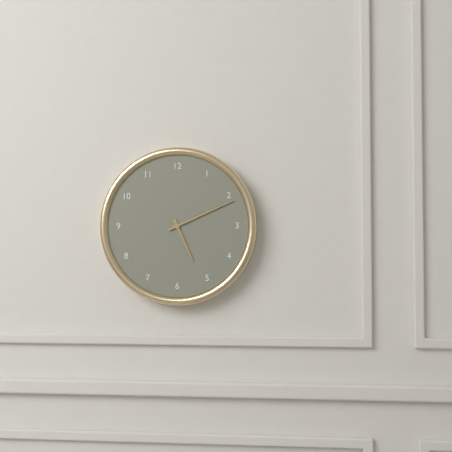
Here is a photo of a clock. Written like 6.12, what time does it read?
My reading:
5.11
